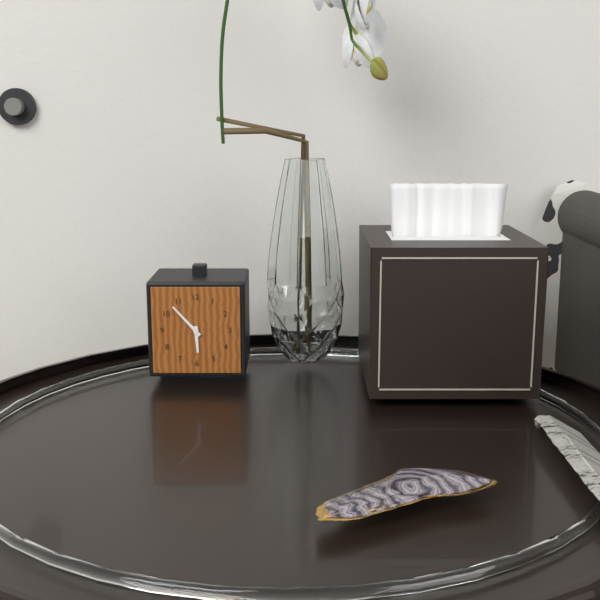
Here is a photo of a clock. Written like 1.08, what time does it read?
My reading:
5.53
